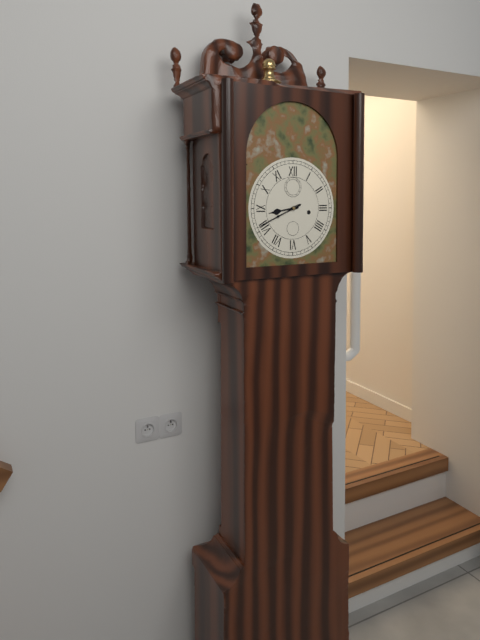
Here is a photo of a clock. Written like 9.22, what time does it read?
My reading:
8.41
